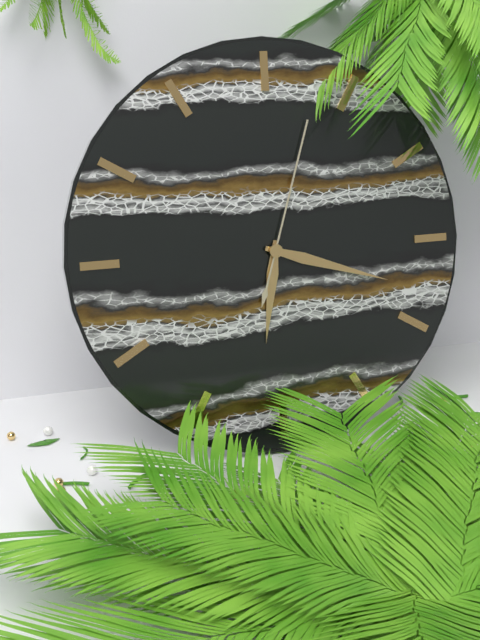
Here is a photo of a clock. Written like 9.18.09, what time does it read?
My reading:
6.18.03
